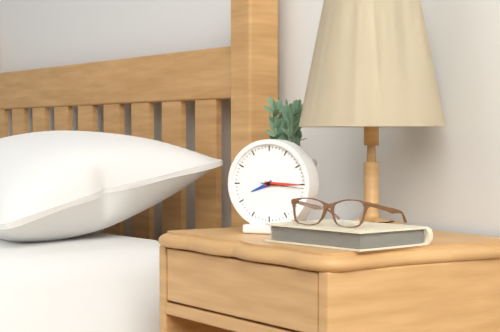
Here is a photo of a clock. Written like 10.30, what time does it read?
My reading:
8.15
